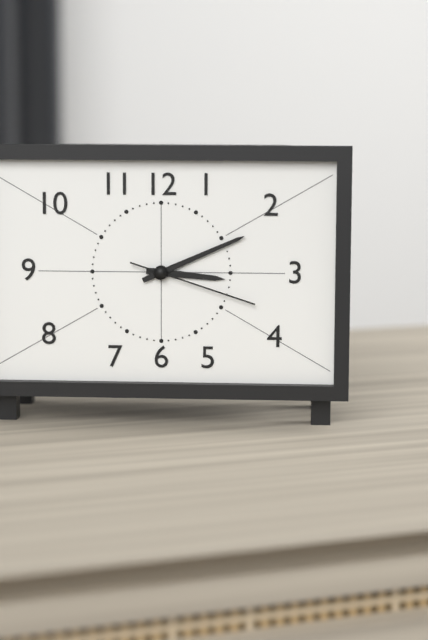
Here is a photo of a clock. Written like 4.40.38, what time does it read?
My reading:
3.11.18
